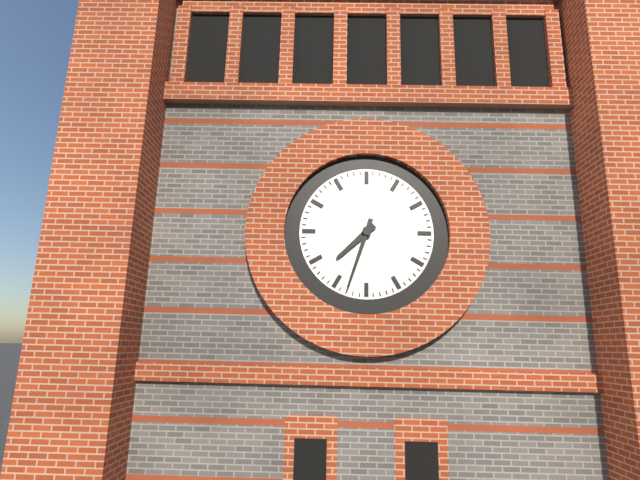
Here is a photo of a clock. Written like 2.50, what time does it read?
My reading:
7.33
